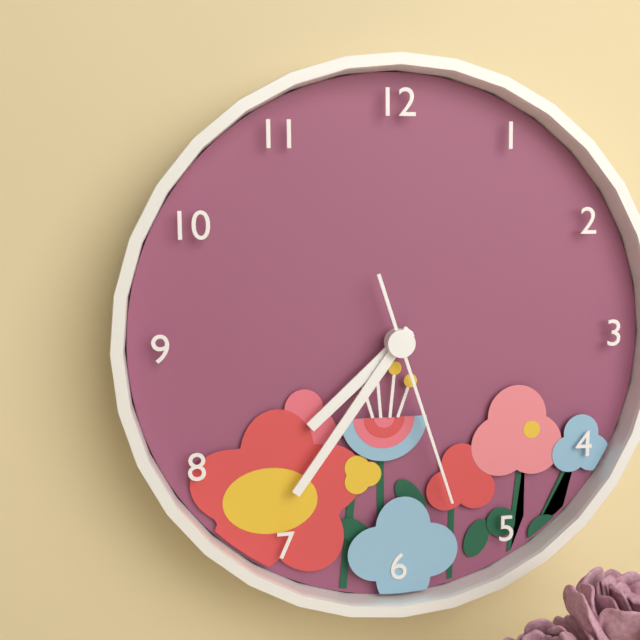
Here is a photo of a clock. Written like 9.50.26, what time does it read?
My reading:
7.36.27
